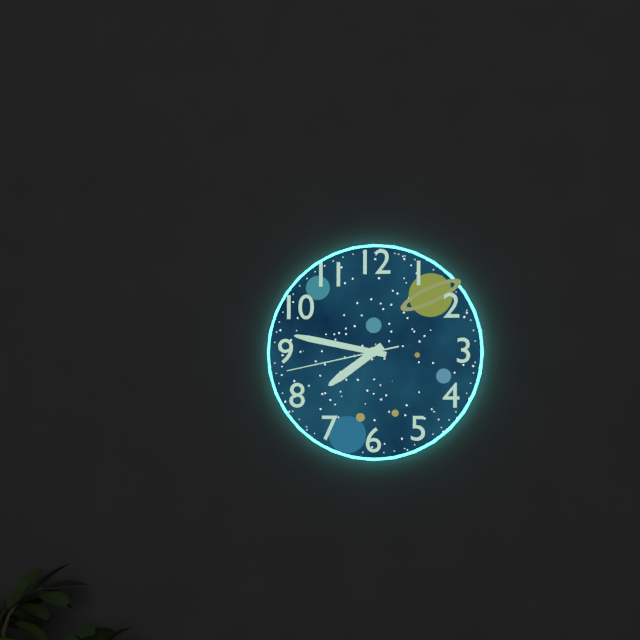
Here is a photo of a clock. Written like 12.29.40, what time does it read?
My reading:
7.47.43
